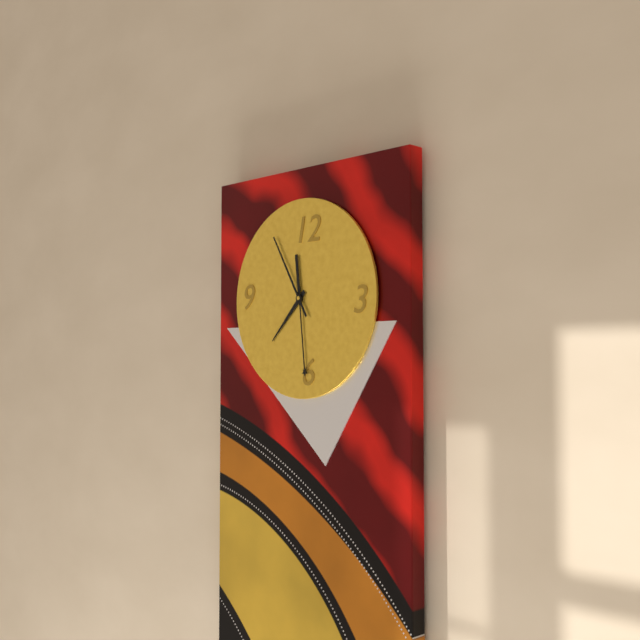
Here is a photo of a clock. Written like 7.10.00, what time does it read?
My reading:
7.29.55
